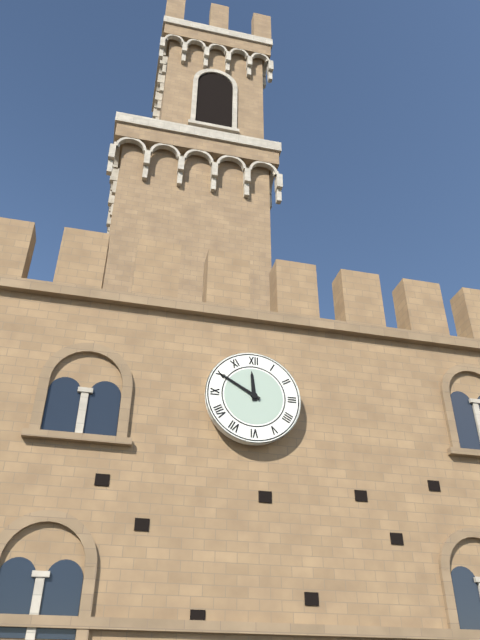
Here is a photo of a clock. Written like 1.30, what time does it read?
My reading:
11.50
